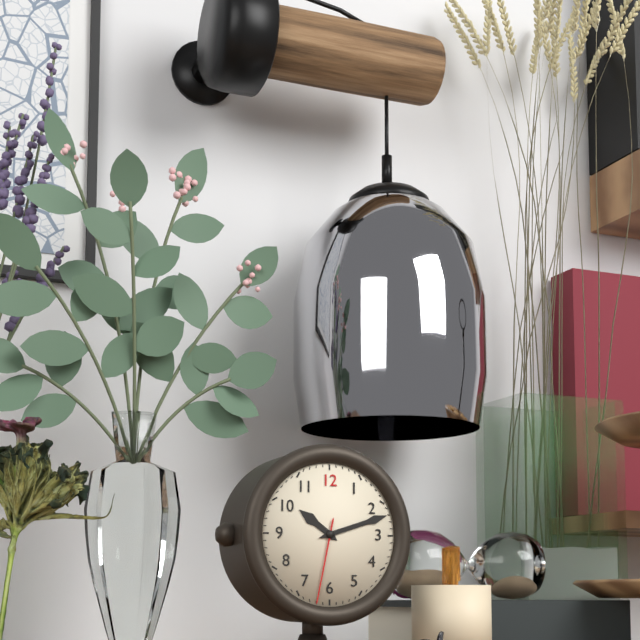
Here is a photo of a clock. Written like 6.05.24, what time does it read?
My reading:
10.12.32
